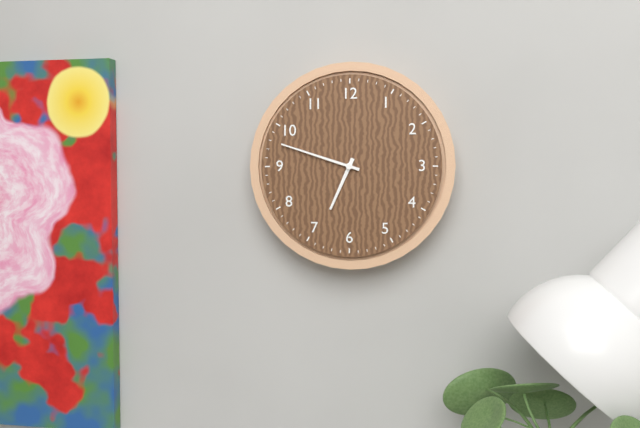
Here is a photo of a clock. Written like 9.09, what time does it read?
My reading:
6.48
